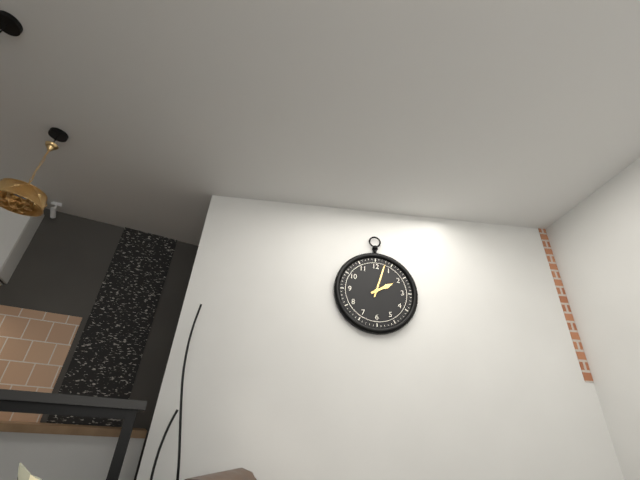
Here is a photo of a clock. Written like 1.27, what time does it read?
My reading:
2.03
